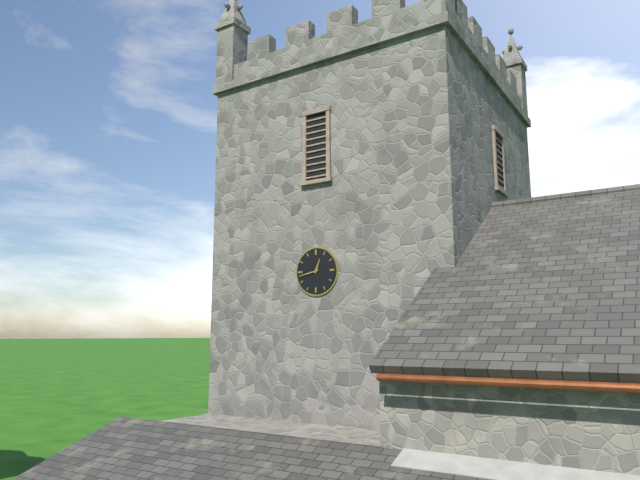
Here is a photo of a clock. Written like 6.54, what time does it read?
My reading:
12.43
